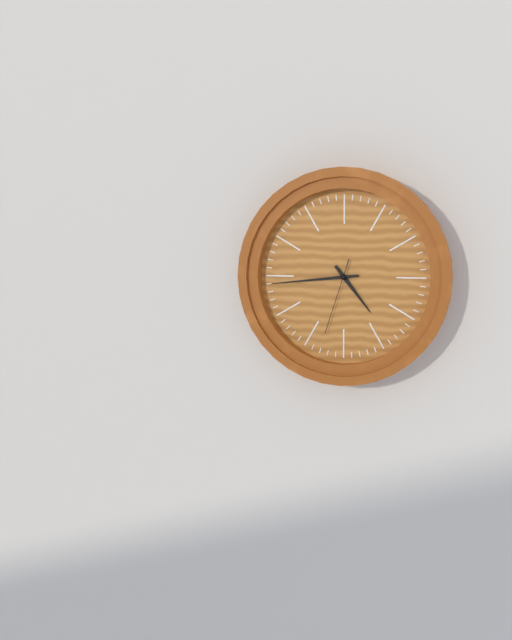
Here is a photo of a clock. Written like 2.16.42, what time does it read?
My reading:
4.44.33
